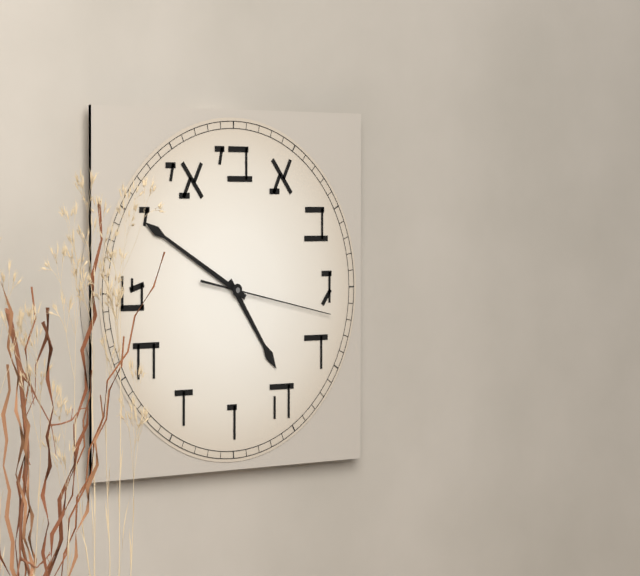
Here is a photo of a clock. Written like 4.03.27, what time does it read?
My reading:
4.50.17
